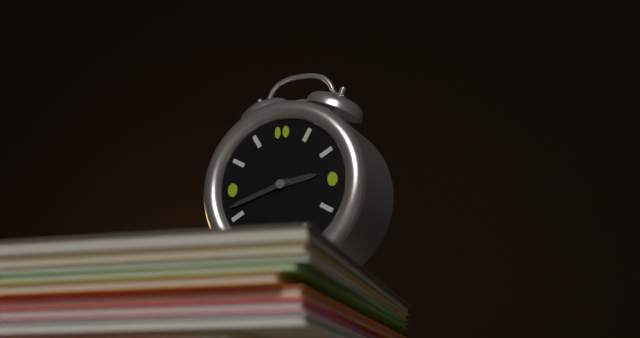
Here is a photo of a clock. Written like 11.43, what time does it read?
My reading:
2.42
